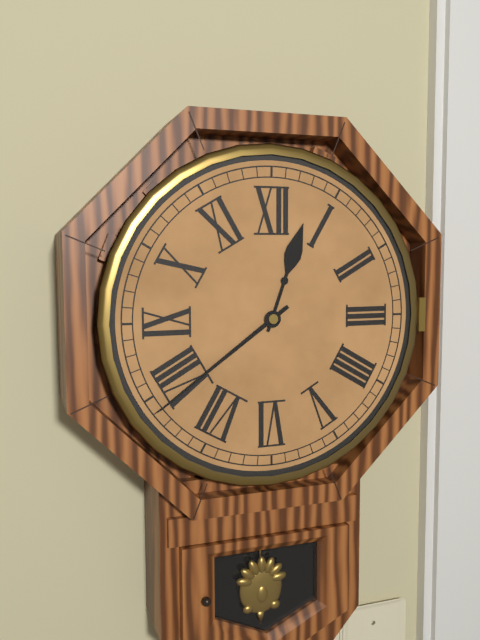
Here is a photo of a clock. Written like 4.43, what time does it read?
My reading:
12.39
